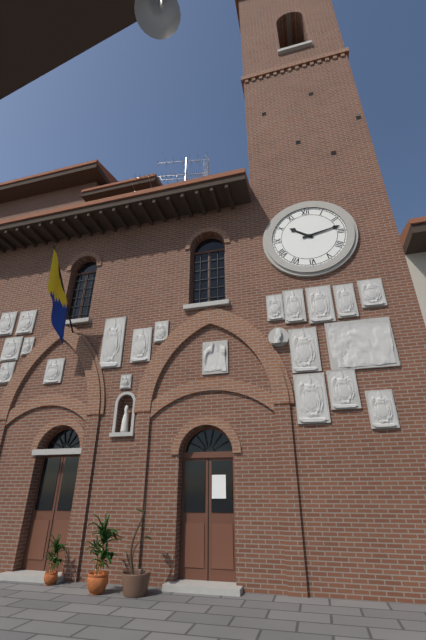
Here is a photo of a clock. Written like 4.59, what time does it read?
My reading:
10.13
